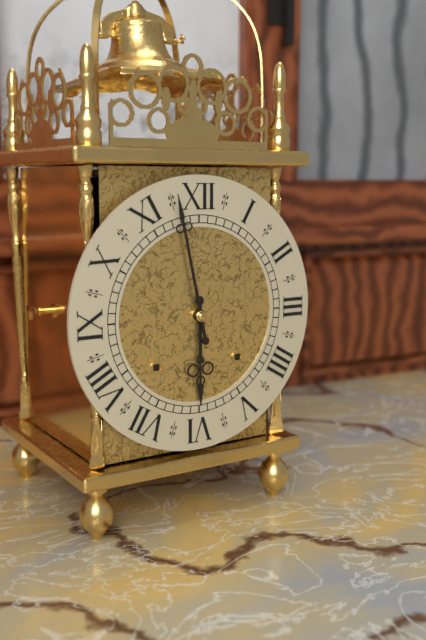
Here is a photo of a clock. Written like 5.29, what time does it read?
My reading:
5.58
